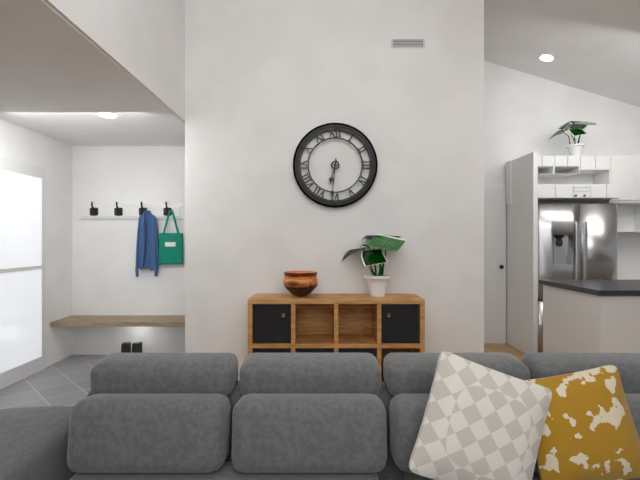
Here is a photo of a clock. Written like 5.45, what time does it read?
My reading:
6.31
